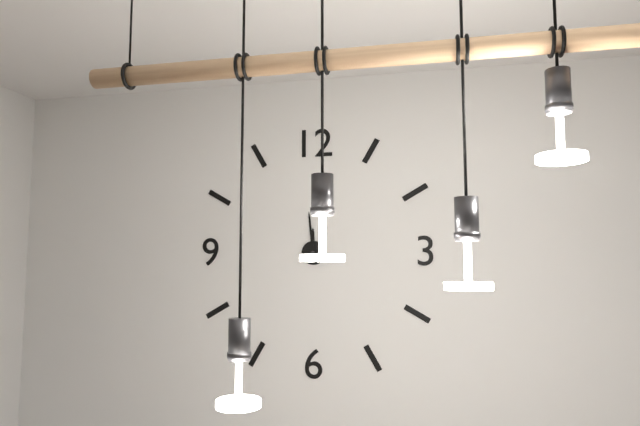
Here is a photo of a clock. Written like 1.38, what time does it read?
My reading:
11.59
